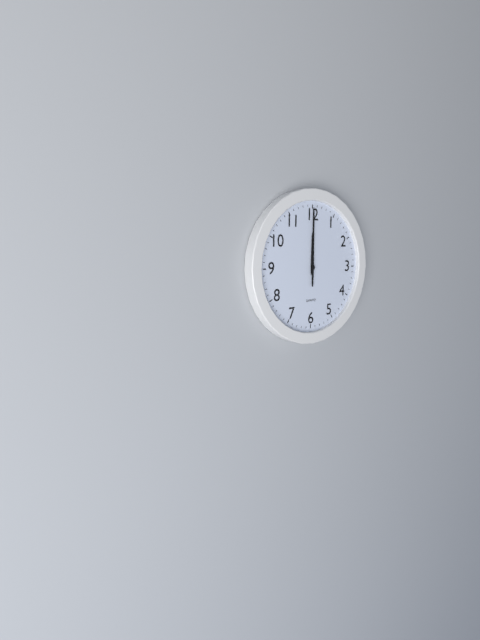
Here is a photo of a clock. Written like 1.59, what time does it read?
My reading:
12.00
